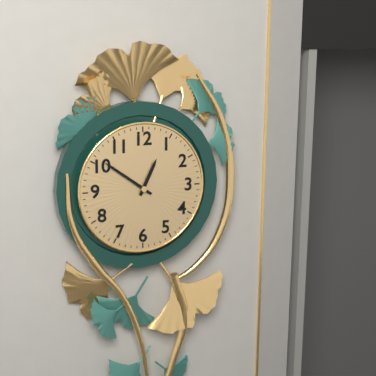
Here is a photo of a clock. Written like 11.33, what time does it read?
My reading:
12.51
